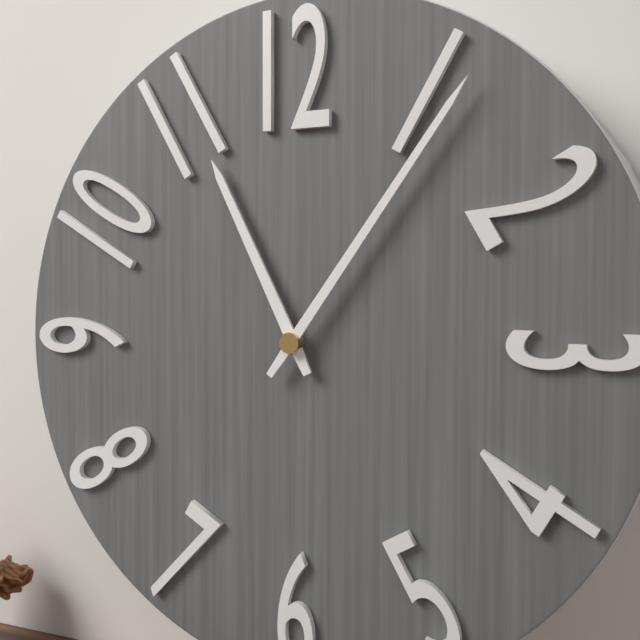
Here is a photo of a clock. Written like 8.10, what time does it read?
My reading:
11.06
